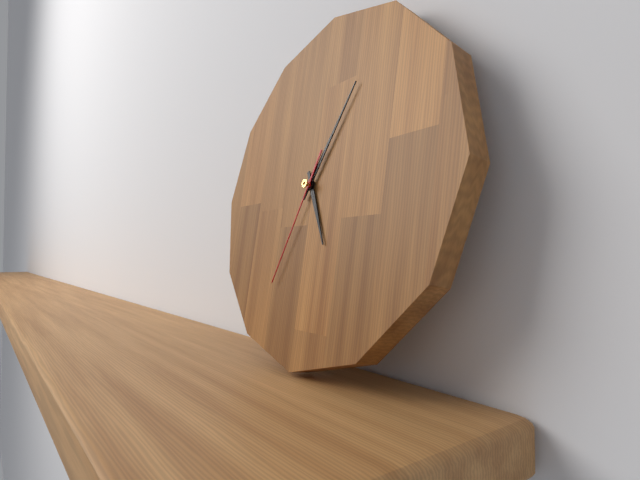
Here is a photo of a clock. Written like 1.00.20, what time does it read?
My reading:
5.05.34
